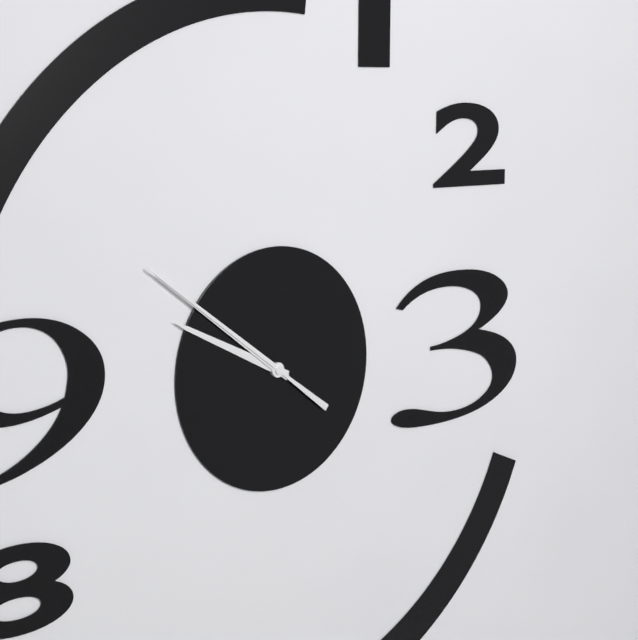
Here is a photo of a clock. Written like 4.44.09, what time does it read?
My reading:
9.51.51
